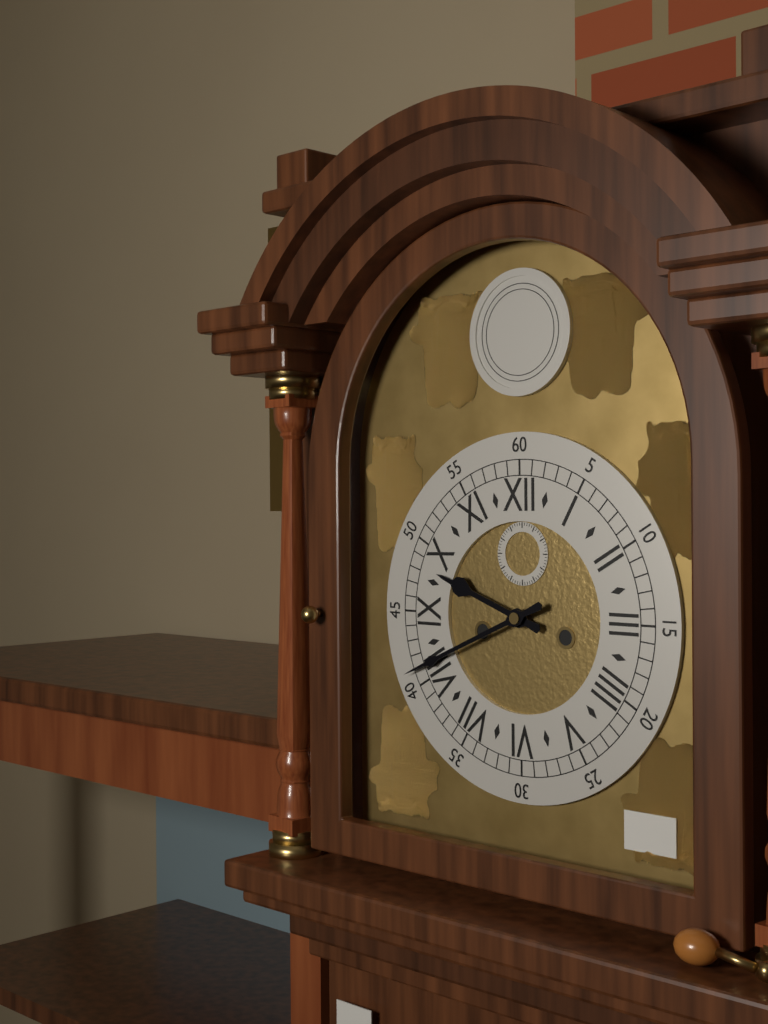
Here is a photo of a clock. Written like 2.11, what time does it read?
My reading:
9.41
